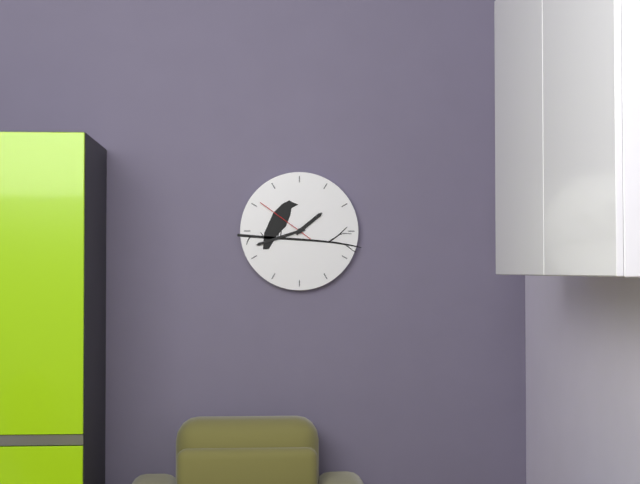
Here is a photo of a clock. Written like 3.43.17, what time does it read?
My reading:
1.42.51
